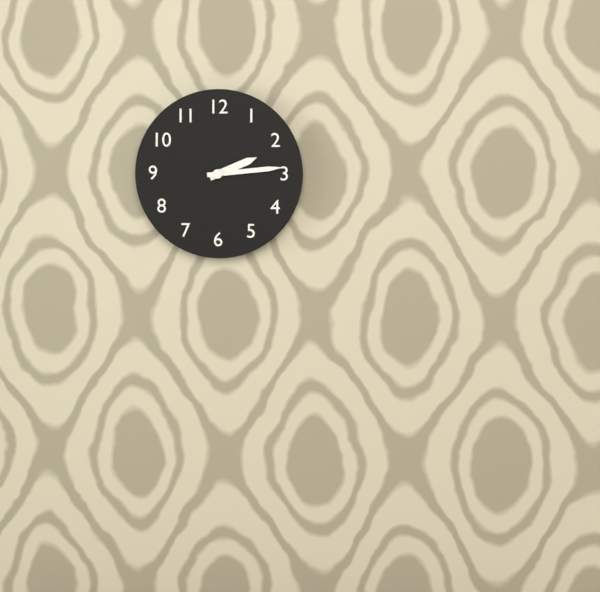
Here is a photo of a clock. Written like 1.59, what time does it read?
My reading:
2.14
